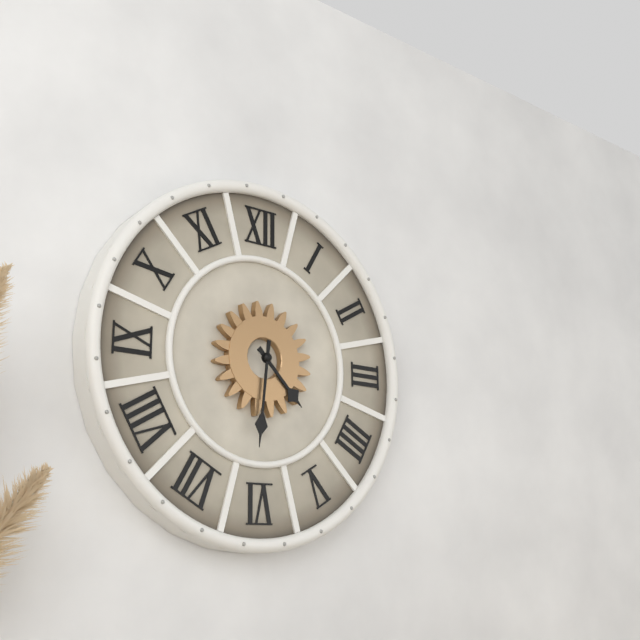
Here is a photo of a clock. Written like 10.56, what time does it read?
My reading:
4.31
